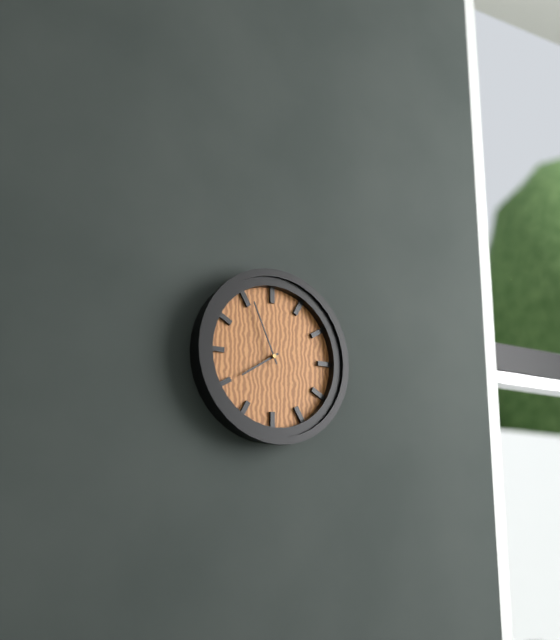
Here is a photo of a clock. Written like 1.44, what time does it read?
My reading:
7.56
